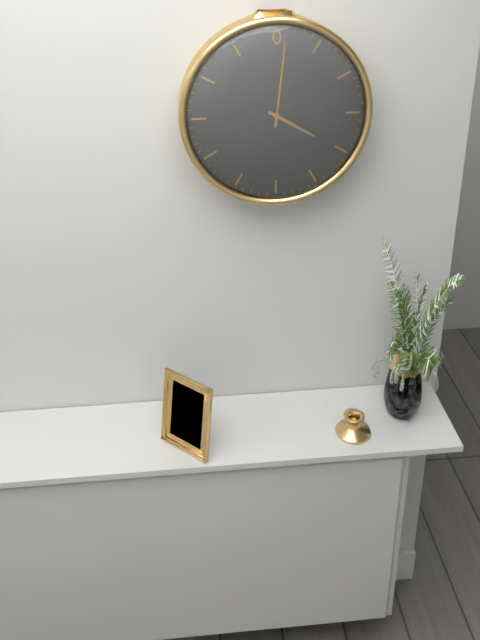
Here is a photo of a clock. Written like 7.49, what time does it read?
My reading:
4.01
